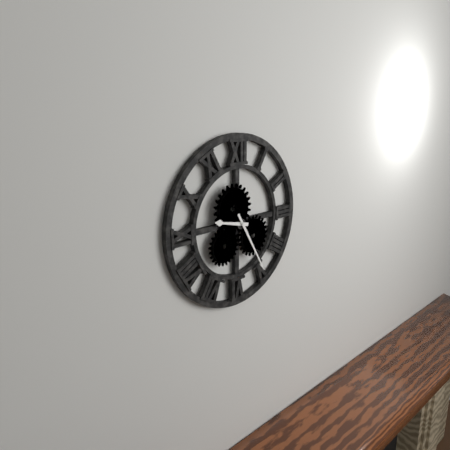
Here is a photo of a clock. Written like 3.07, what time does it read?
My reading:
9.25
